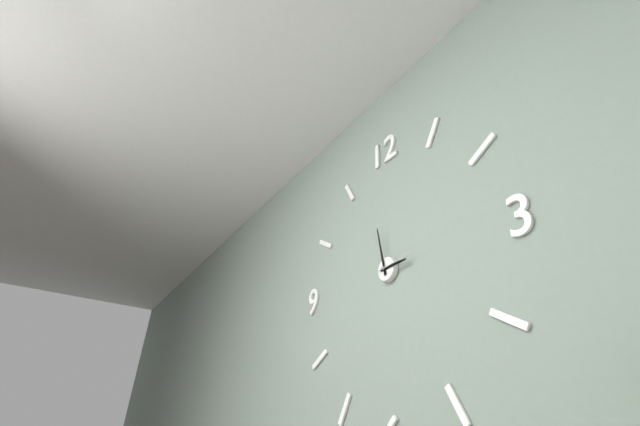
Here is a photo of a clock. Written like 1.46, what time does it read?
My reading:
2.58
